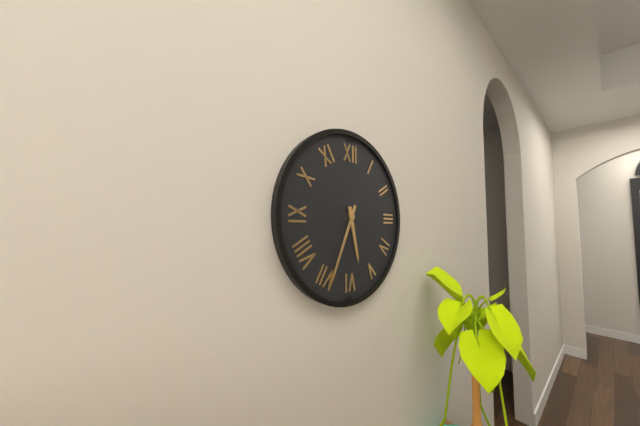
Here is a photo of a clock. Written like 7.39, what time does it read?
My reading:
5.34
